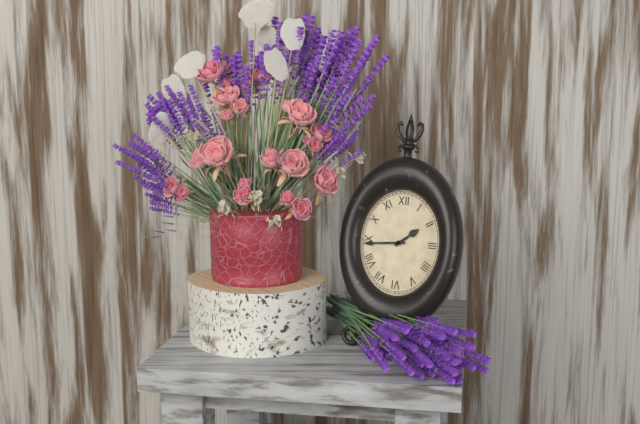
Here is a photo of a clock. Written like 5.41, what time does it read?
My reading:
1.44
